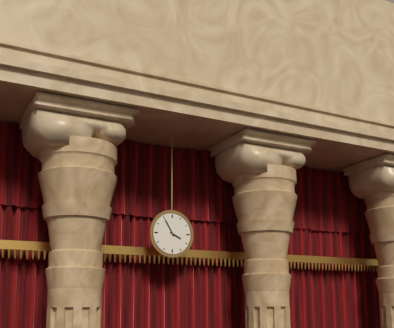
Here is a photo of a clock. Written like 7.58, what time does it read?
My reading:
3.55
